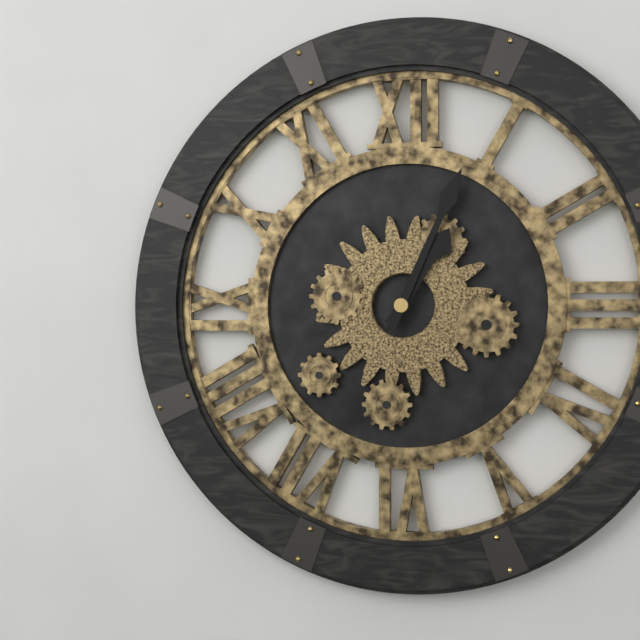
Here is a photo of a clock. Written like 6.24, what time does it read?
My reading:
1.04
